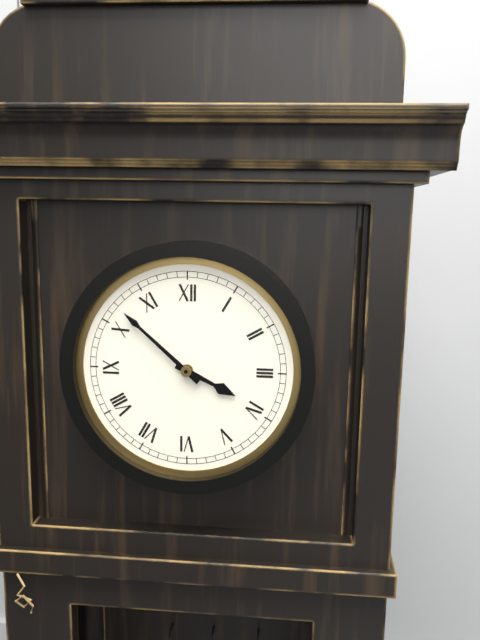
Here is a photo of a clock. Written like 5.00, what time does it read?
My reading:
3.52
